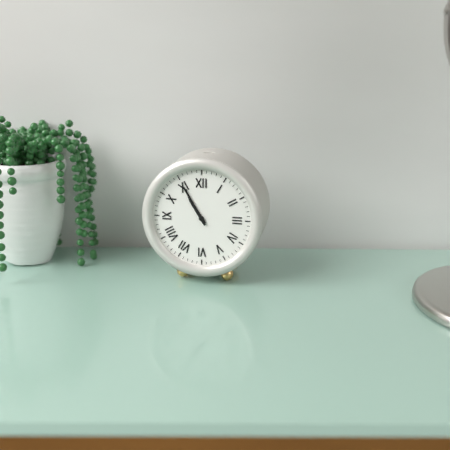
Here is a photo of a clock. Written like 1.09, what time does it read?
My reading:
10.55
